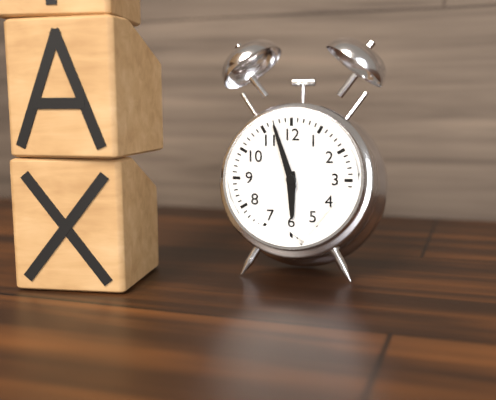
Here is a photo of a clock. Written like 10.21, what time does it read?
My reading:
5.57
